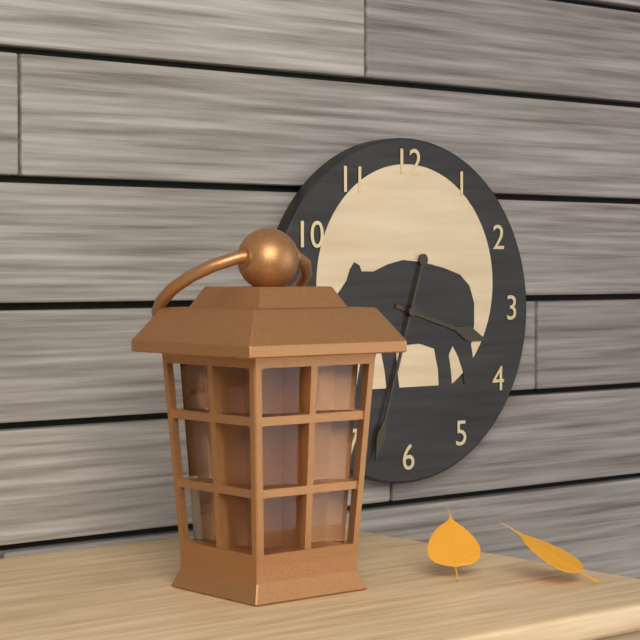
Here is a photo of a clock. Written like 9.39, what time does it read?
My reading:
3.33
